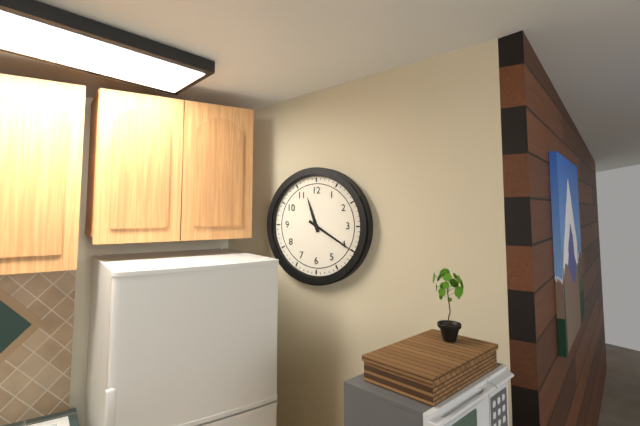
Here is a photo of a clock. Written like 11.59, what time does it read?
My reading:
11.20
